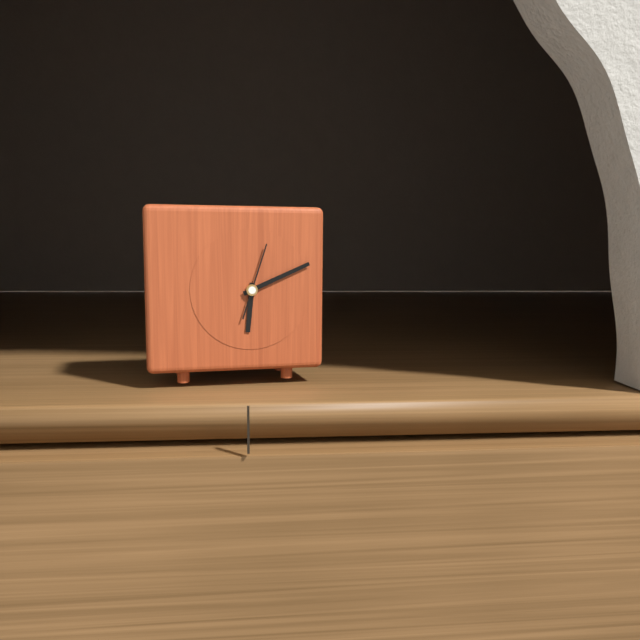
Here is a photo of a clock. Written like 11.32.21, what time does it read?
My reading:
6.11.03
